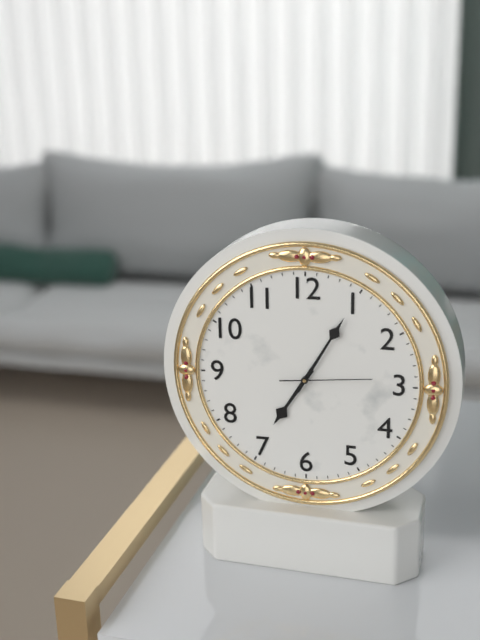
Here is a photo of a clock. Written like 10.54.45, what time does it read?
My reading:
7.05.14
